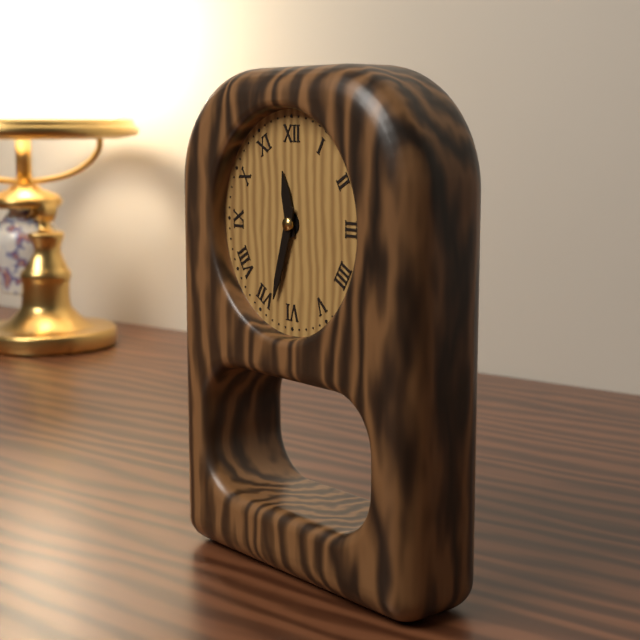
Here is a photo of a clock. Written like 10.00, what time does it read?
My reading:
11.33
